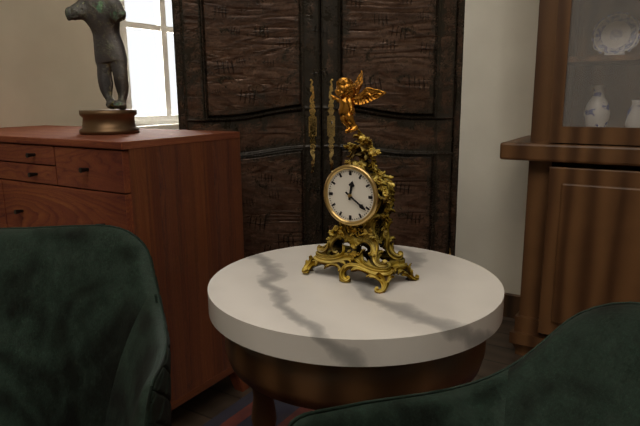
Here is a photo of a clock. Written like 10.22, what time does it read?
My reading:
12.21
